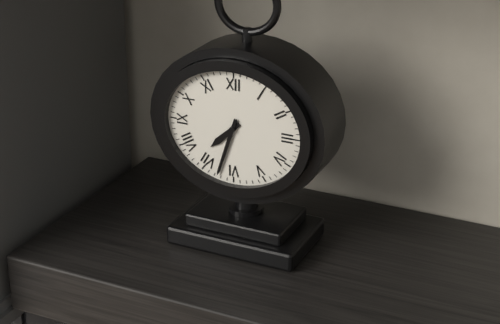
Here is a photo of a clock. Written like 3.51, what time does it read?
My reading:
7.33
